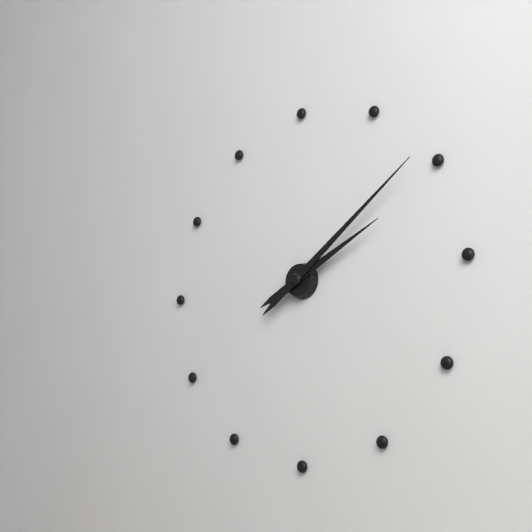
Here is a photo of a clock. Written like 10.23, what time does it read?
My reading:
2.09
